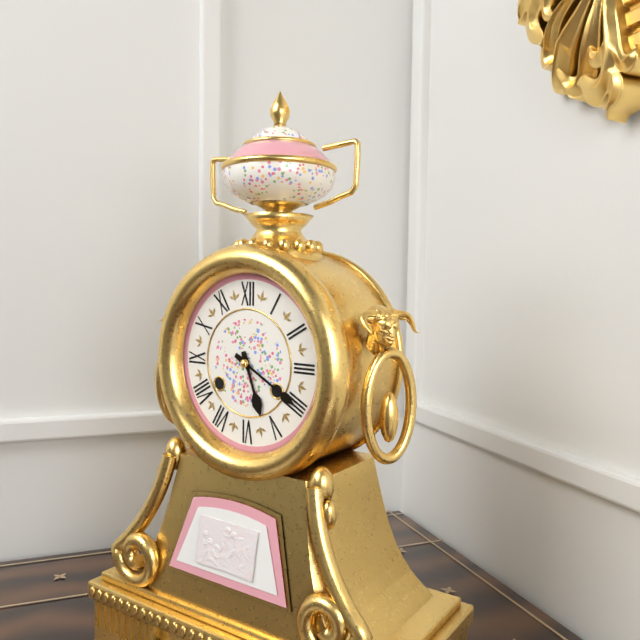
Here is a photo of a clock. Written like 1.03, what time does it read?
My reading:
5.20
